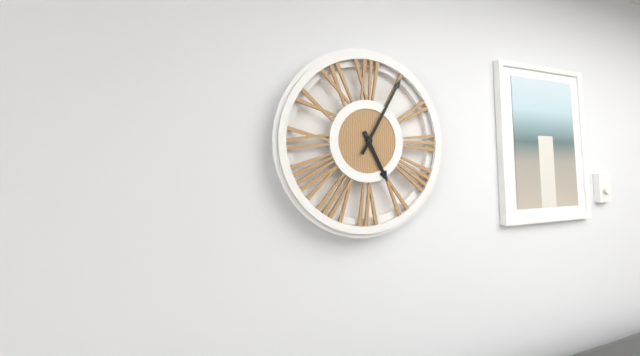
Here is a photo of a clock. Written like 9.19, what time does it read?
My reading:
5.05
